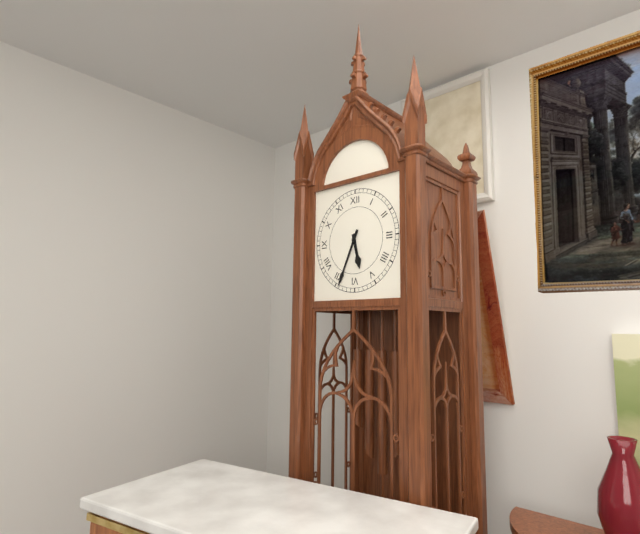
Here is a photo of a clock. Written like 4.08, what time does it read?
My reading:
5.34
